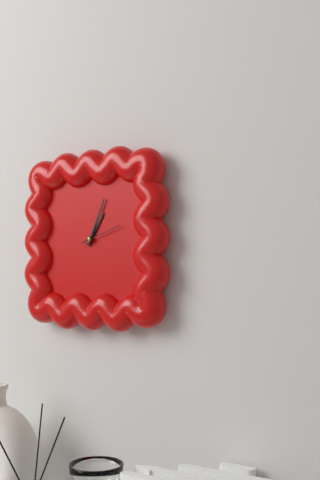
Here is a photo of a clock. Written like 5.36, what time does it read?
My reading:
1.04
